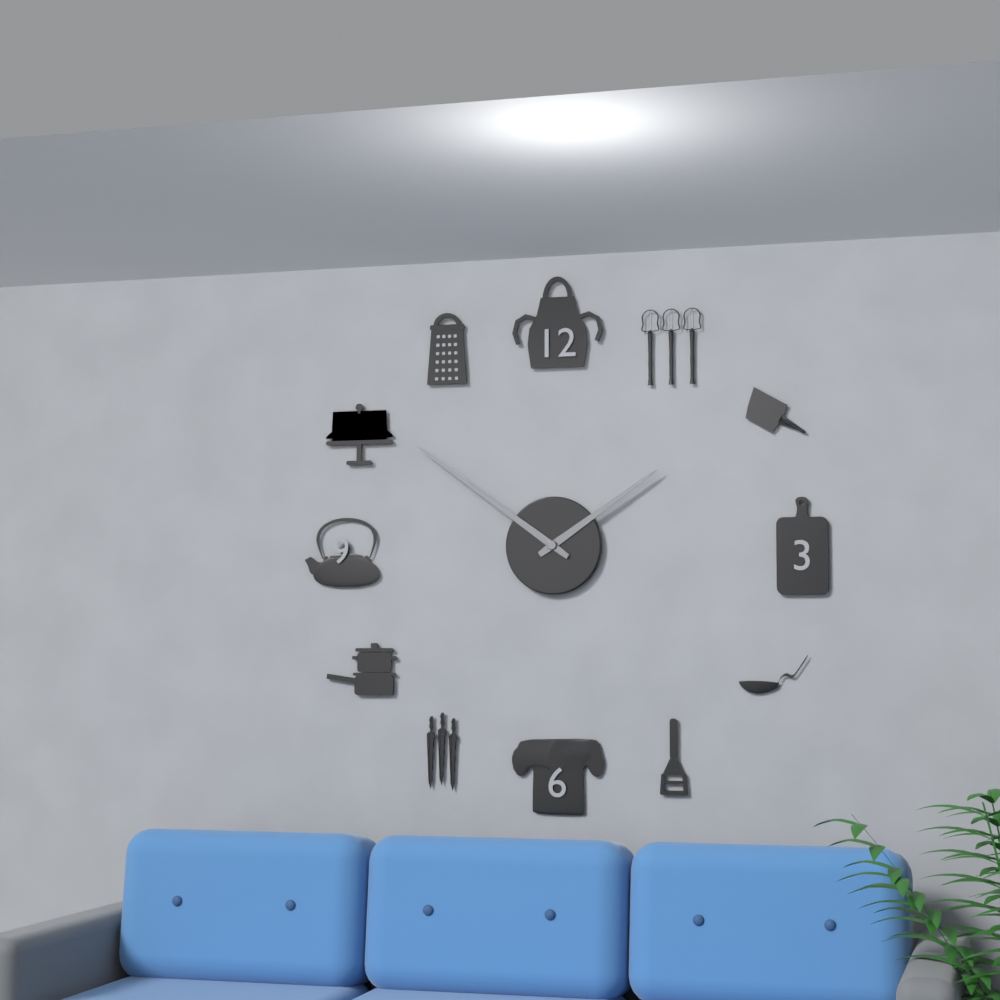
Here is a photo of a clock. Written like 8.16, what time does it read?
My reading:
1.51
